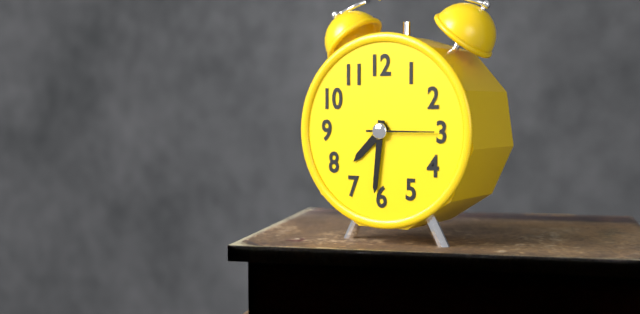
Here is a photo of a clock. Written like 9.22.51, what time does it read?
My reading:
7.31.15
